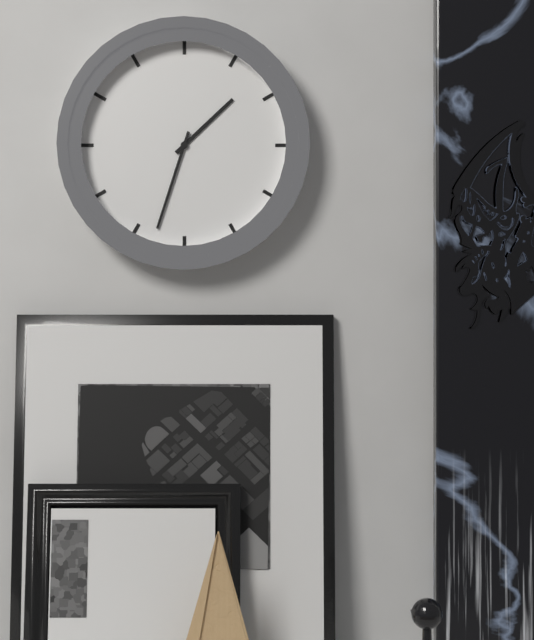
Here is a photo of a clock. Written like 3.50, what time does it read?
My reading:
1.33
